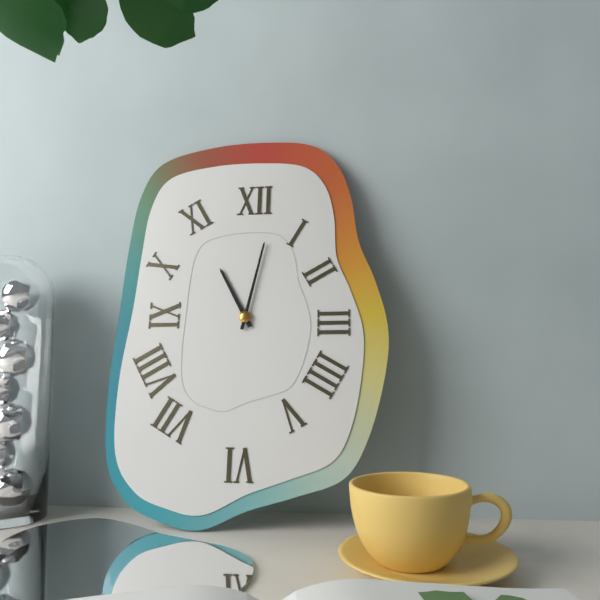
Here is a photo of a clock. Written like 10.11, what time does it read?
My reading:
11.02
